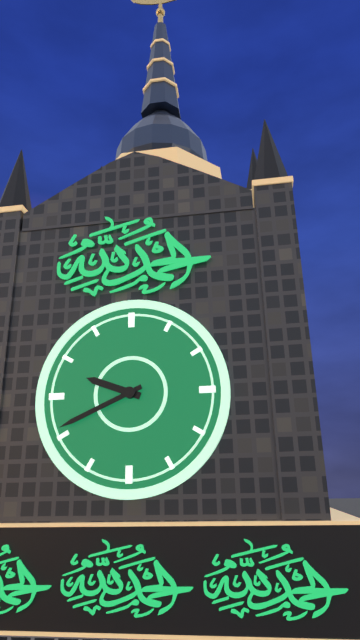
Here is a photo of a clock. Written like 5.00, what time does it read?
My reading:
9.41
